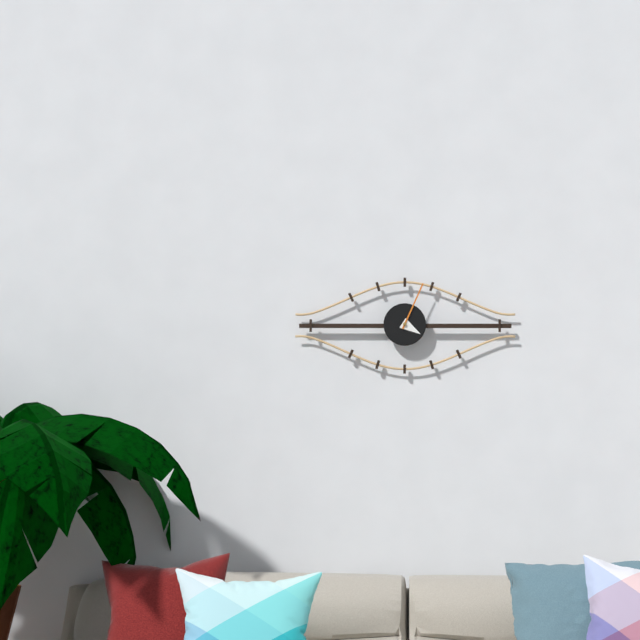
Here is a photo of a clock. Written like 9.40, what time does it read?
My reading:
4.04
